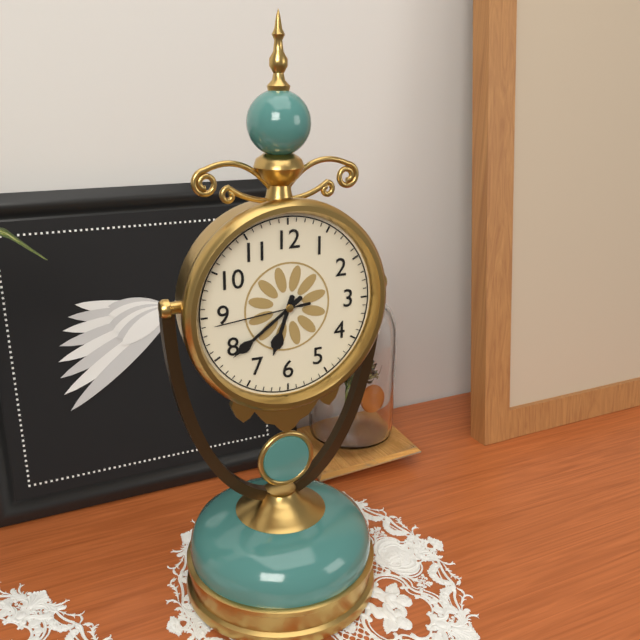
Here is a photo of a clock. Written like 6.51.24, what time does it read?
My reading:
6.39.44
